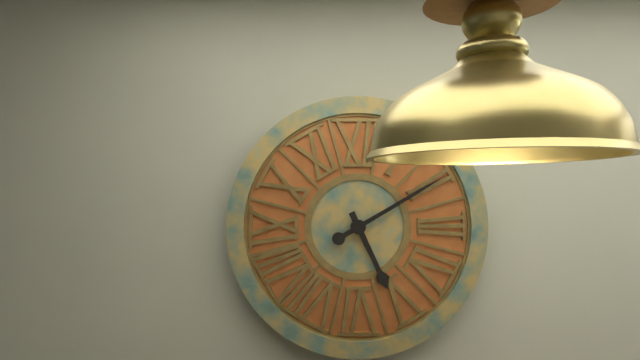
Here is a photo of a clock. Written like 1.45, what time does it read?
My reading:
5.10
